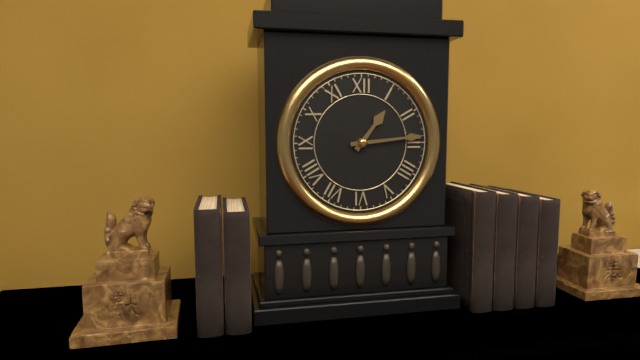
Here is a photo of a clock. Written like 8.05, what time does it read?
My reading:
1.14
